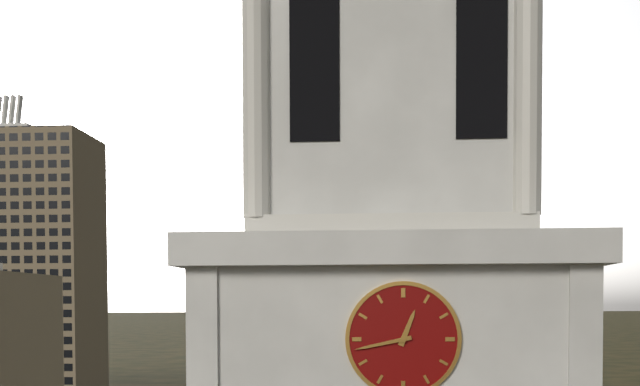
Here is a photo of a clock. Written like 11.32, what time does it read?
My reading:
12.43
